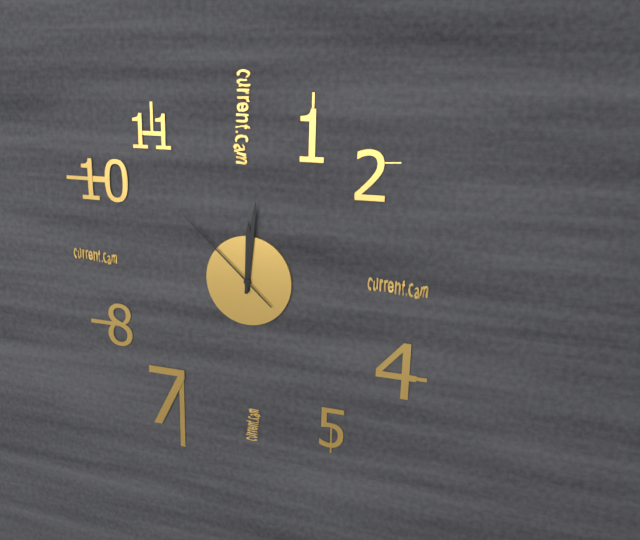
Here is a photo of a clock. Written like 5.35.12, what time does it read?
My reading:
12.01.52
